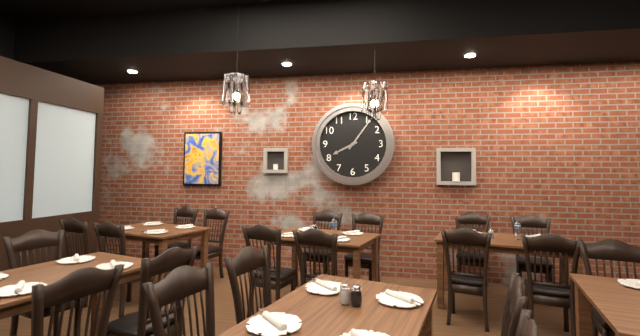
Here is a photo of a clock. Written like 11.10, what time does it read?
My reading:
8.06
